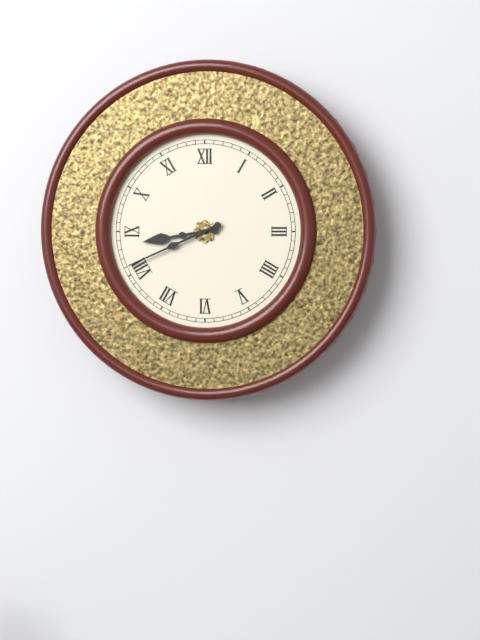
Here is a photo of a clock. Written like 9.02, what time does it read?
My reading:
8.41
